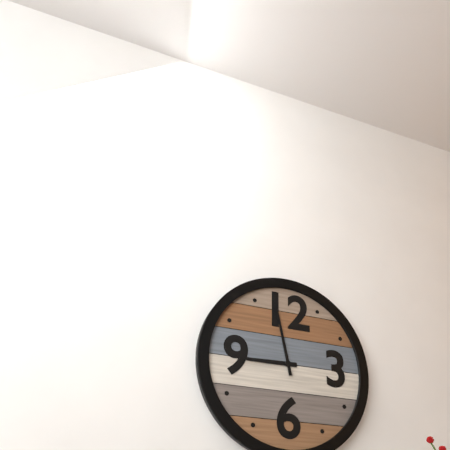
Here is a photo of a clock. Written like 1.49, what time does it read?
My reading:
8.58
